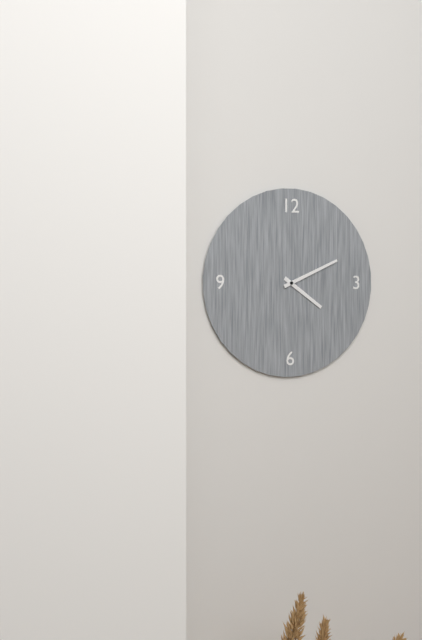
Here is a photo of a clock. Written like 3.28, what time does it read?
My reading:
4.11
